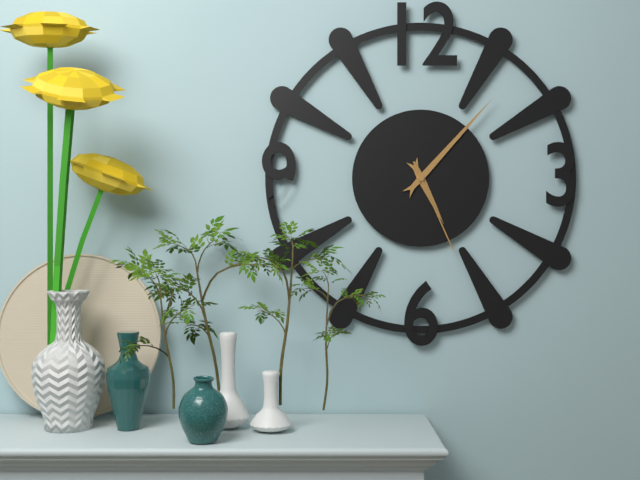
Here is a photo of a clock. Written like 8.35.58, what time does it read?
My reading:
5.07.26
